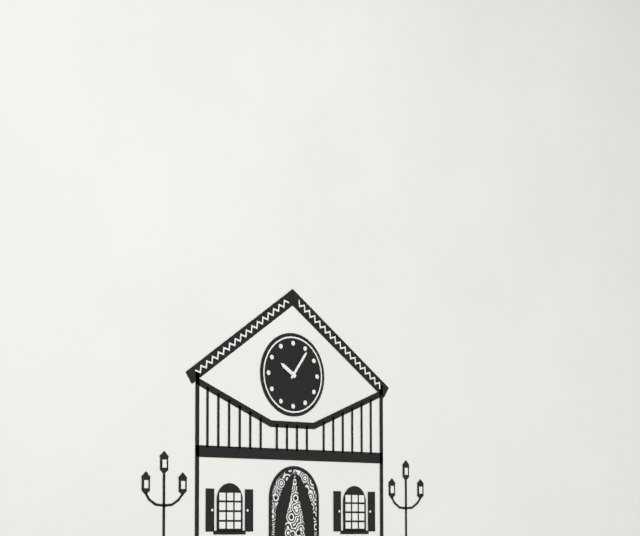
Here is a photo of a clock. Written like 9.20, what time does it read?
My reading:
10.06
